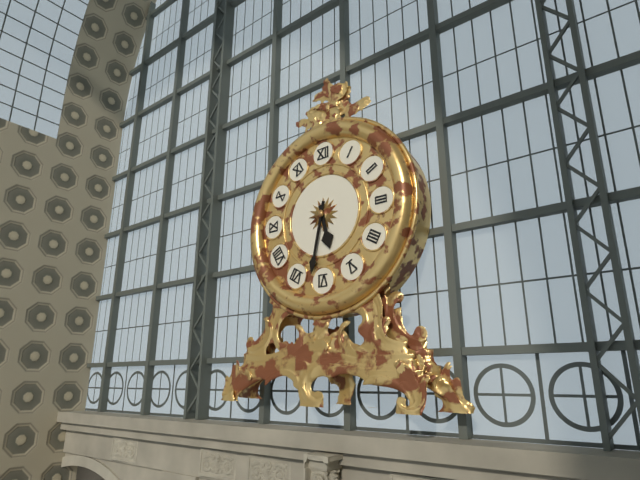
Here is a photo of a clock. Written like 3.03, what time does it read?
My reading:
5.32
